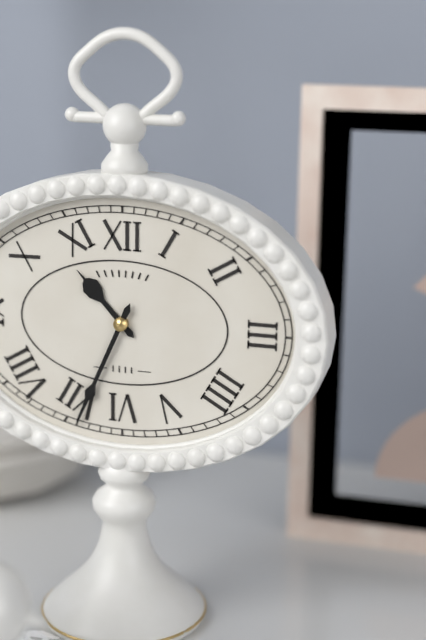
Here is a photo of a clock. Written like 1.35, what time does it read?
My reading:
10.34
